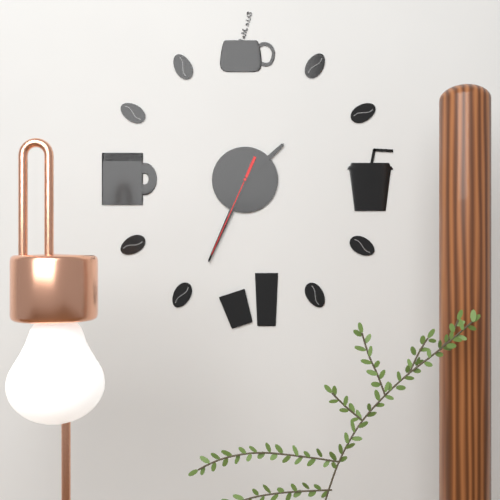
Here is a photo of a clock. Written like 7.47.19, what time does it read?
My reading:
1.34.34
